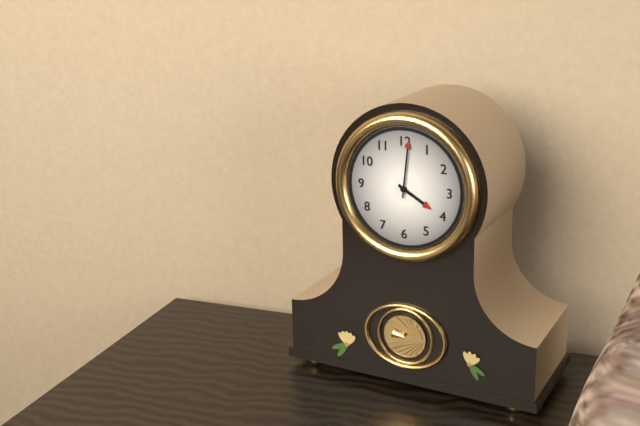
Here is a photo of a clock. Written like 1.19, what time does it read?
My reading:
4.01
